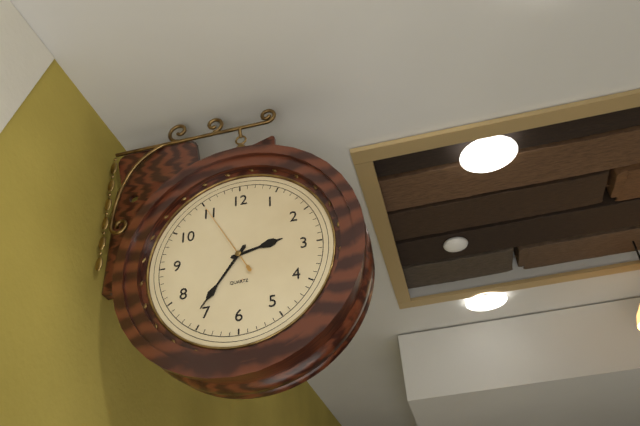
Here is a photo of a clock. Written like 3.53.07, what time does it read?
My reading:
2.36.55
